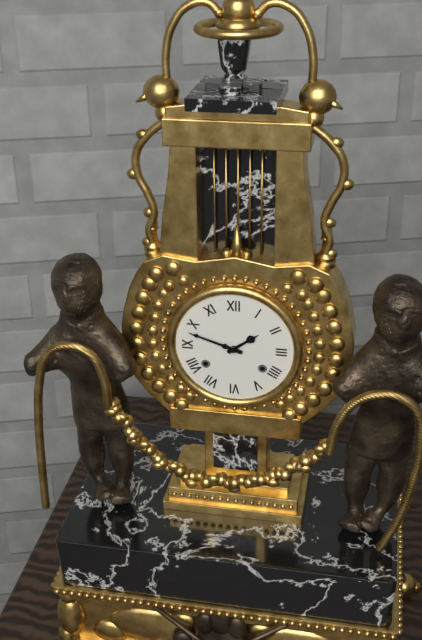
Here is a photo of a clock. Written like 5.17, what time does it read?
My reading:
1.48
